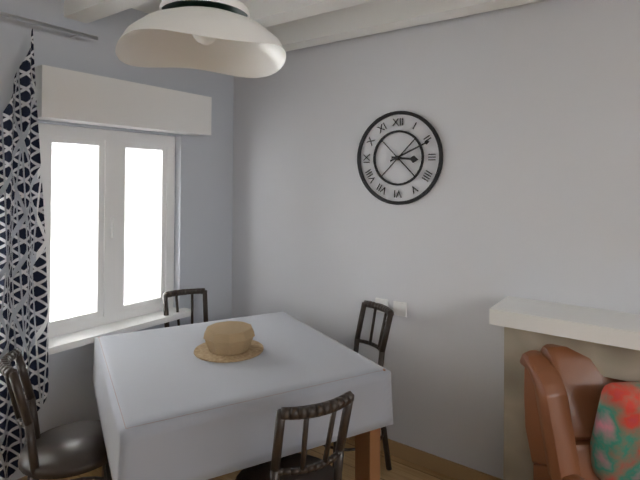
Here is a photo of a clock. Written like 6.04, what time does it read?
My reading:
3.11
